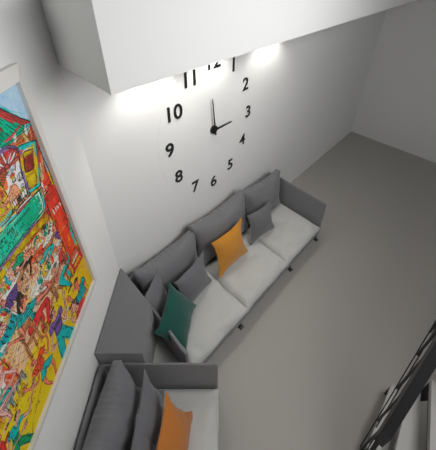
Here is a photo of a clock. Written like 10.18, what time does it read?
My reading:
2.59
